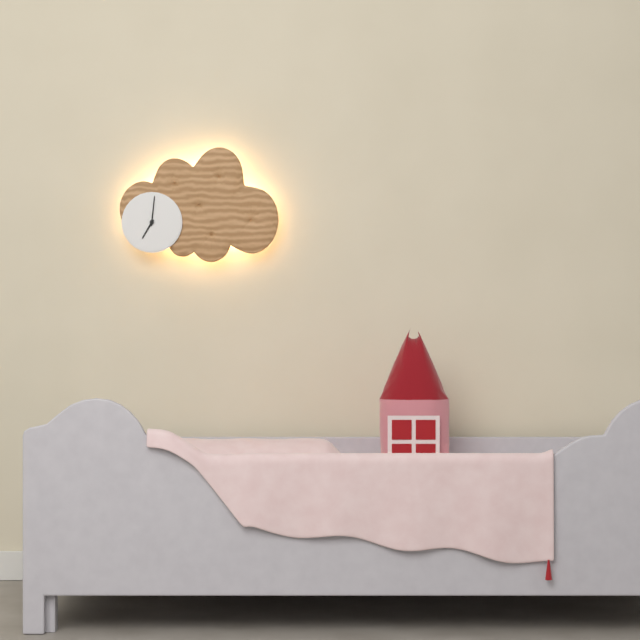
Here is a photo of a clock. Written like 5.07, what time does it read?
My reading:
7.01
